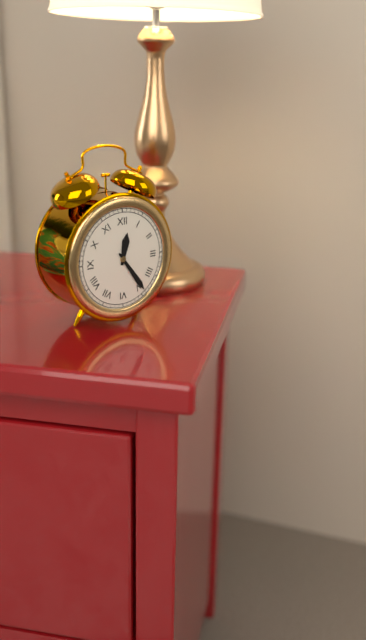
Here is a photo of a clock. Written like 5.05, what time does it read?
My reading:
12.24
